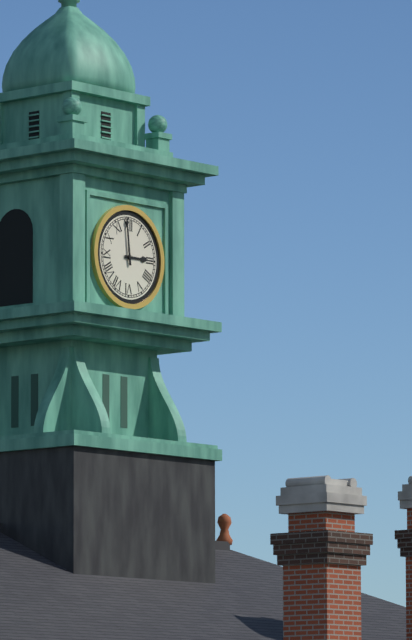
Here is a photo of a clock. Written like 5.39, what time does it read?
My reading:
2.59
